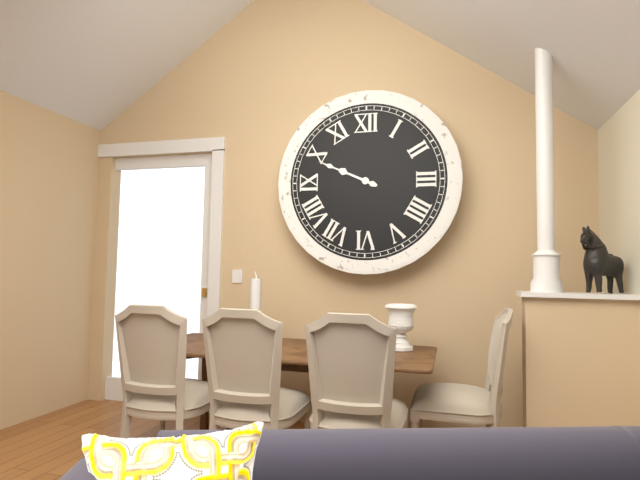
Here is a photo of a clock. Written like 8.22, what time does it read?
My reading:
9.49
